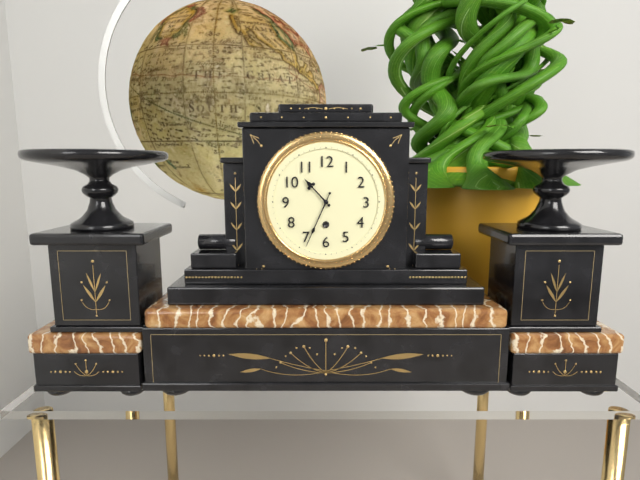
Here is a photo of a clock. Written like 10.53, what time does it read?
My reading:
10.34
